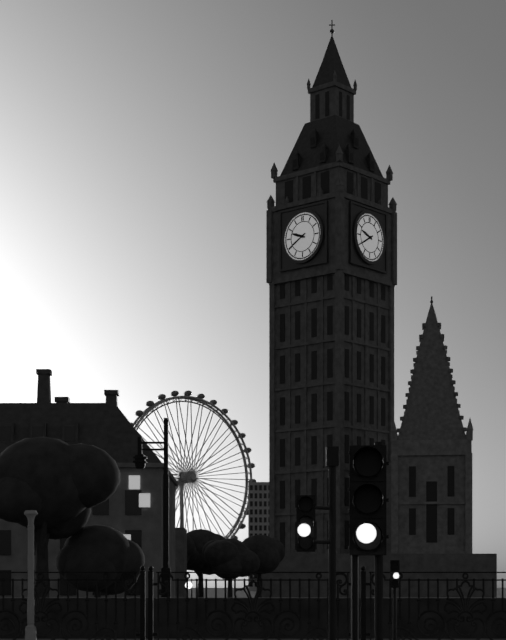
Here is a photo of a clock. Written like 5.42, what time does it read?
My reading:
9.40
